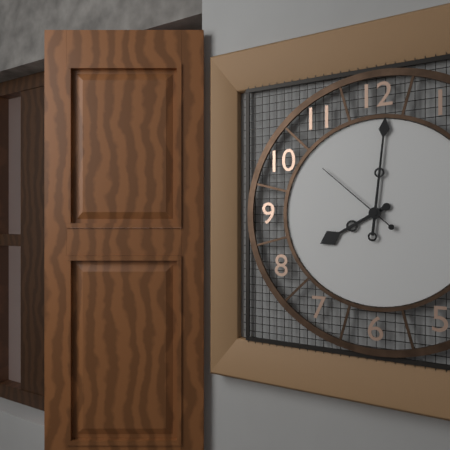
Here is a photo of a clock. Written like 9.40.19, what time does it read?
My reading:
8.01.52
